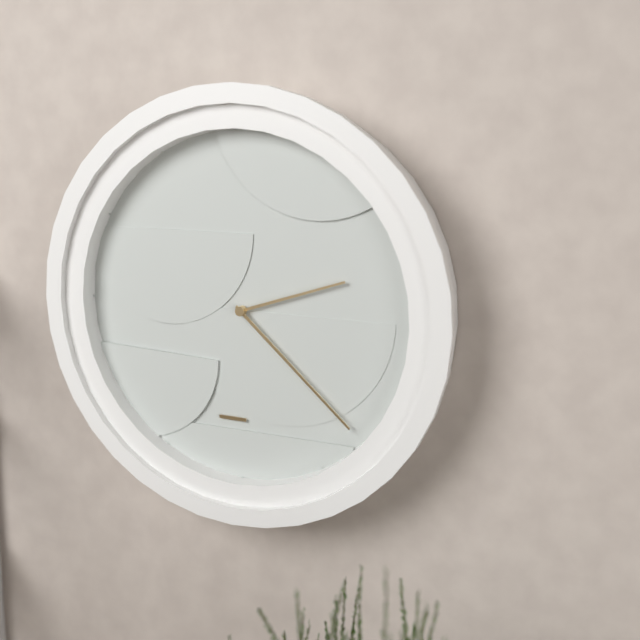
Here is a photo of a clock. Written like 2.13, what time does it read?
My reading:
2.22
